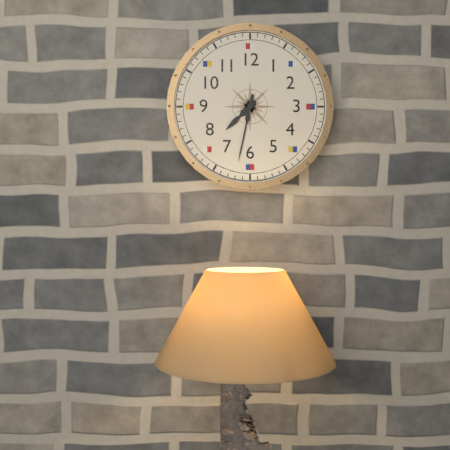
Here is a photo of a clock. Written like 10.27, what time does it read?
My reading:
7.32
